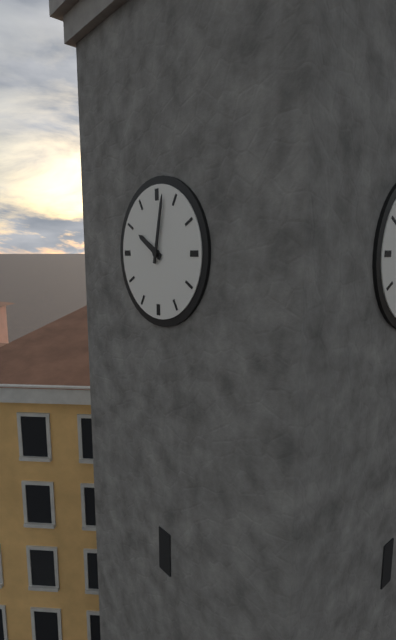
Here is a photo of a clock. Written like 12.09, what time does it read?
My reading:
10.02
